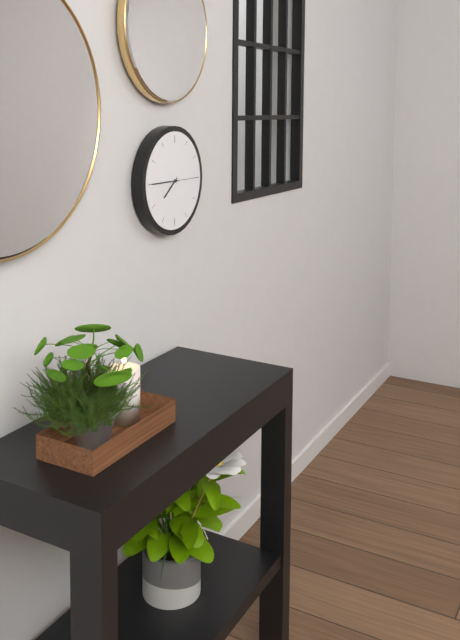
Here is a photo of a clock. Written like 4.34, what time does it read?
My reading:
7.45
